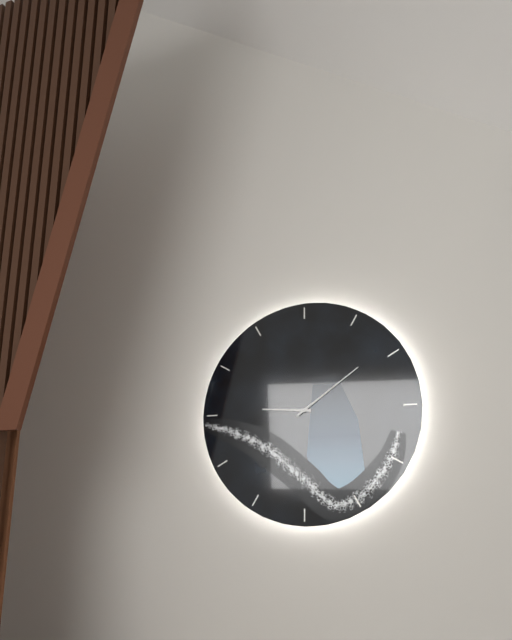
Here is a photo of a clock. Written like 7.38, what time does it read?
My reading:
9.09
